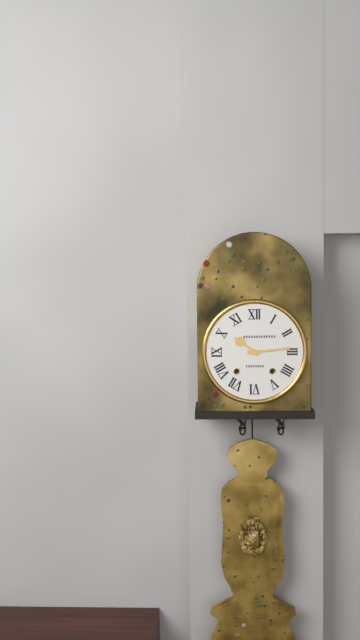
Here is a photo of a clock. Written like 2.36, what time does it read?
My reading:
10.14
